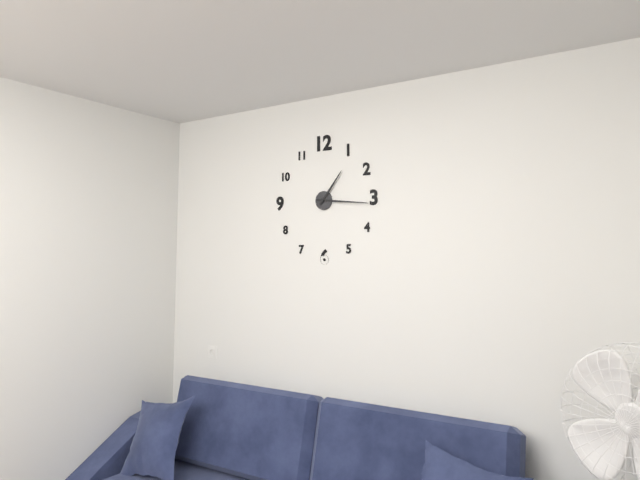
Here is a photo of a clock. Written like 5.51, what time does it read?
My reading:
1.16
